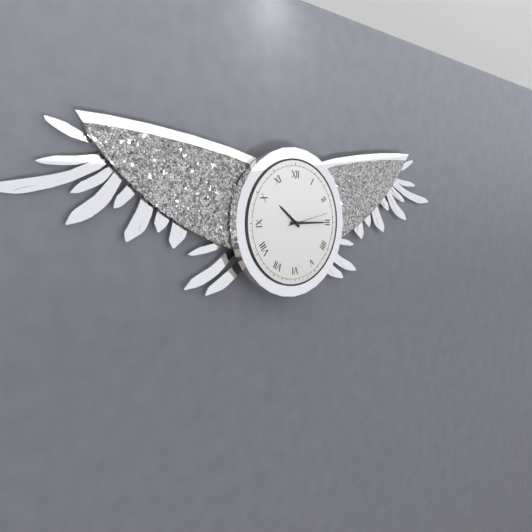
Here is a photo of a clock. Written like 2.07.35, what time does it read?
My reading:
10.15.13
